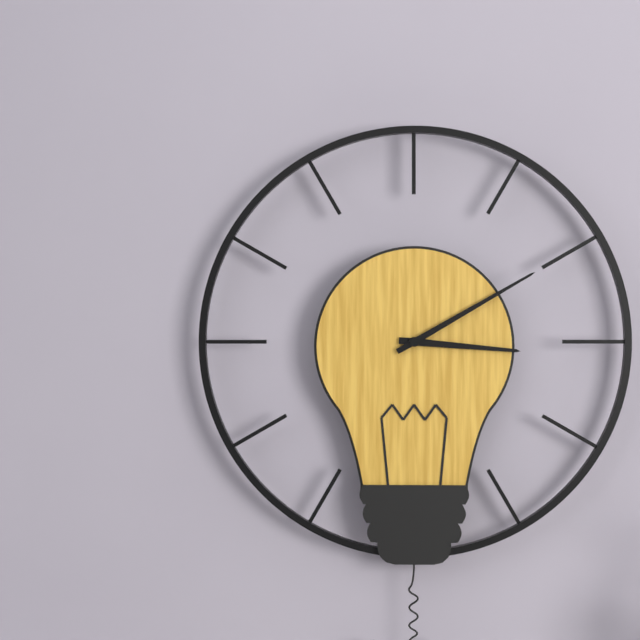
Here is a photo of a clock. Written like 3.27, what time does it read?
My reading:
3.10
